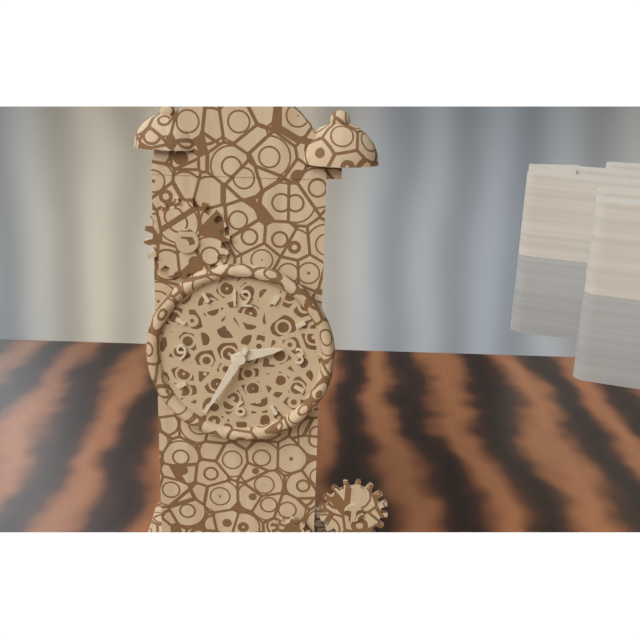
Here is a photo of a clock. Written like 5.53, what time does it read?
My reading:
2.35
